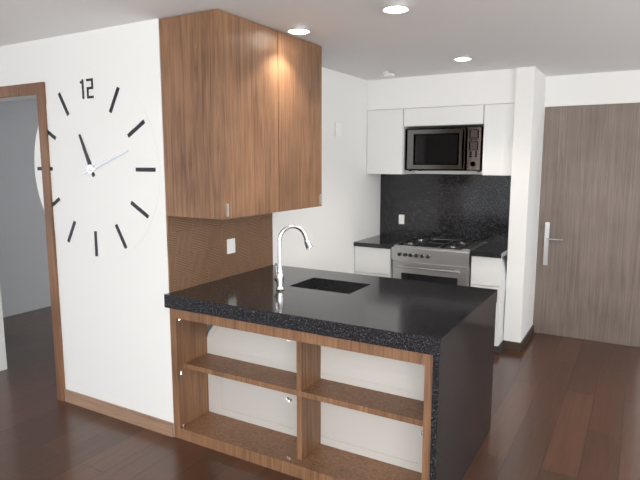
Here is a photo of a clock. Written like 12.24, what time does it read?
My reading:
11.12
